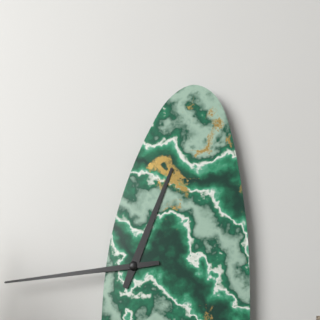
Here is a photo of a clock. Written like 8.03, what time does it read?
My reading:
12.44
